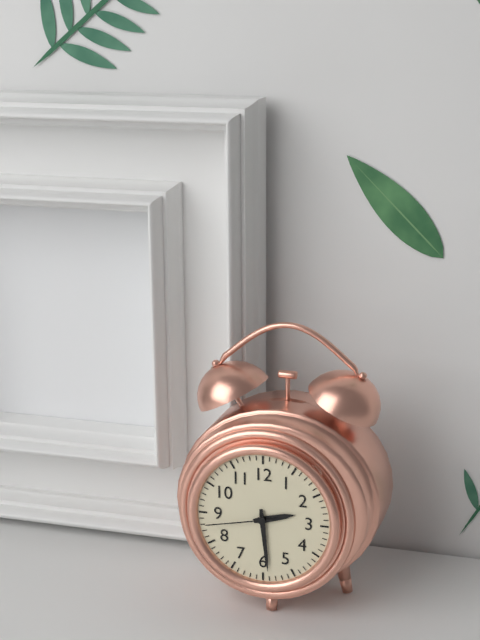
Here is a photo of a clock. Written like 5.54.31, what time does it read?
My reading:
2.29.43
